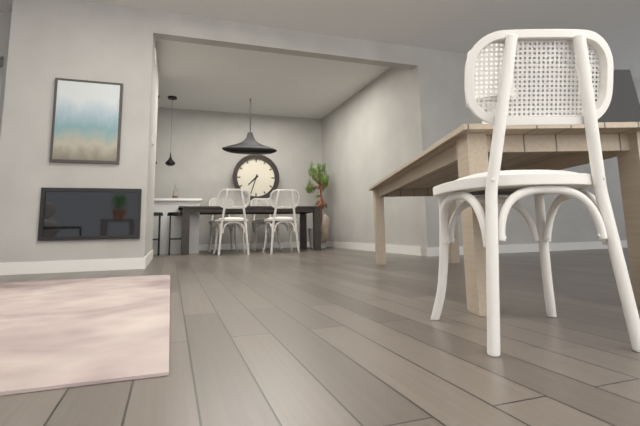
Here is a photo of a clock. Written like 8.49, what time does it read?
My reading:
7.33
